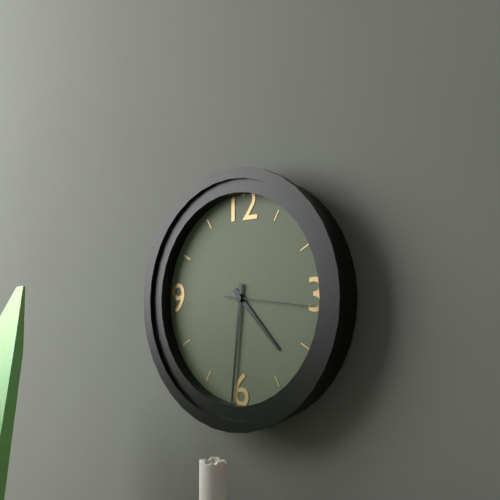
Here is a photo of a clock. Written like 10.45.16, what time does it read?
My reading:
4.31.16
